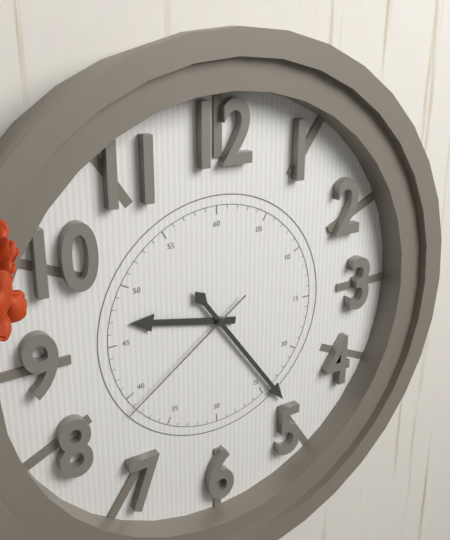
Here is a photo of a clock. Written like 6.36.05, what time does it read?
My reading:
9.24.39
